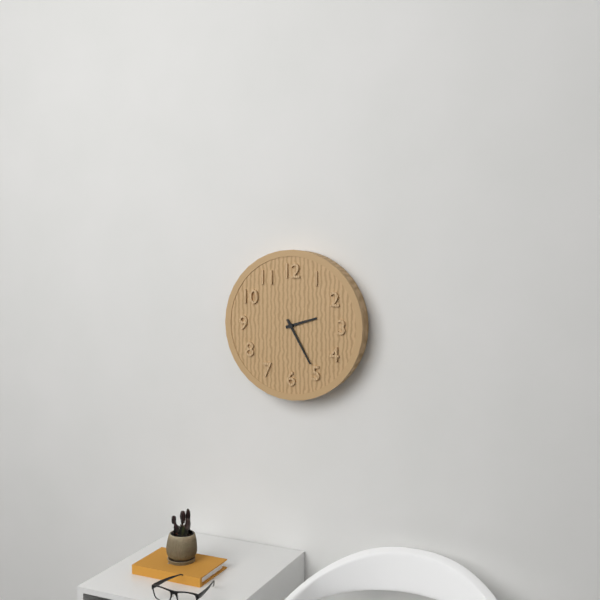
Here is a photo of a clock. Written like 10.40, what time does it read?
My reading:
2.25
